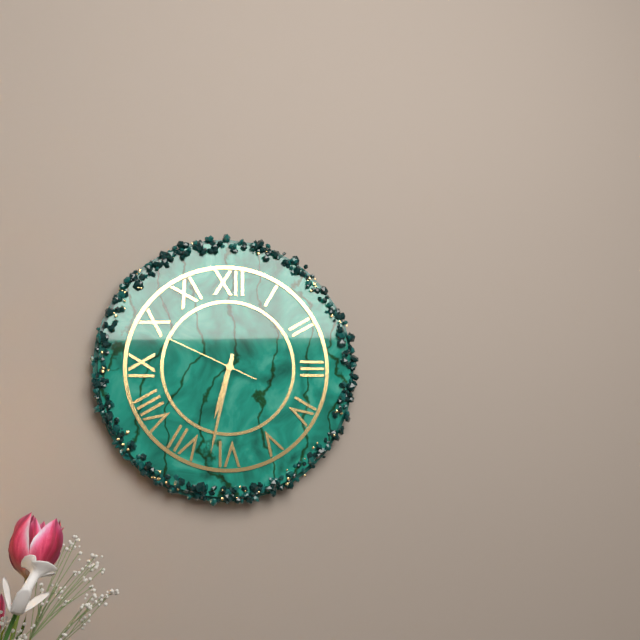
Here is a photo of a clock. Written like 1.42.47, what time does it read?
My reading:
6.32.49
